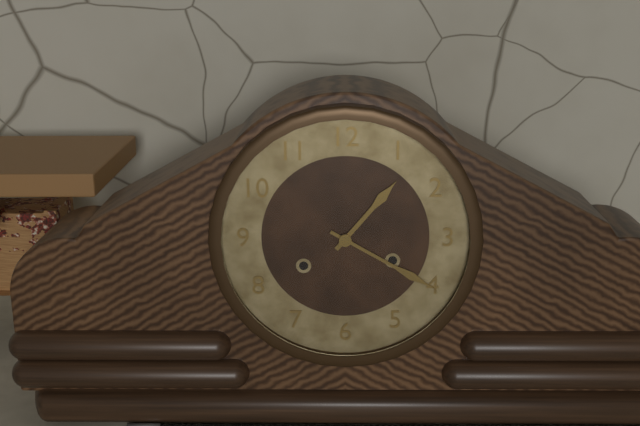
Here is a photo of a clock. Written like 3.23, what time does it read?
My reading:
1.20
